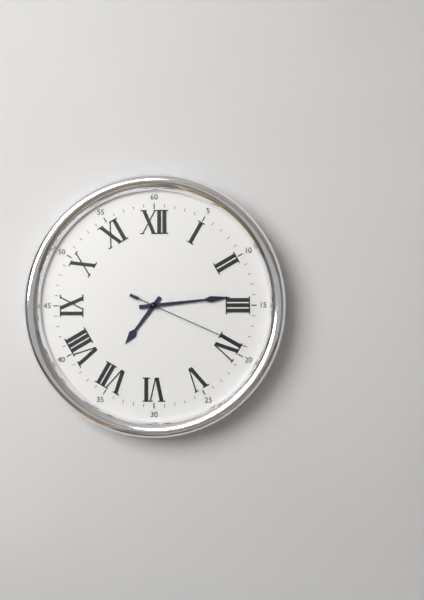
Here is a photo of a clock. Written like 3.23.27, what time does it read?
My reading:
7.14.19
